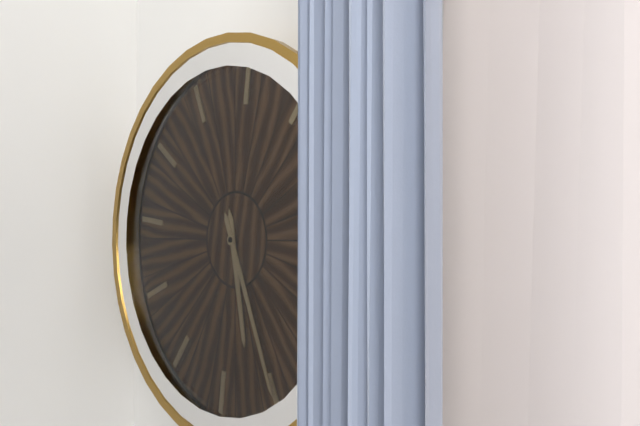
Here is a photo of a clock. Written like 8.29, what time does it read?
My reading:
5.25
